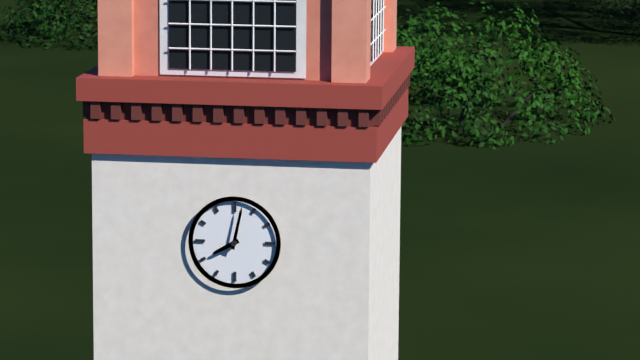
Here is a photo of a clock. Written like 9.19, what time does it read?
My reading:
8.02
